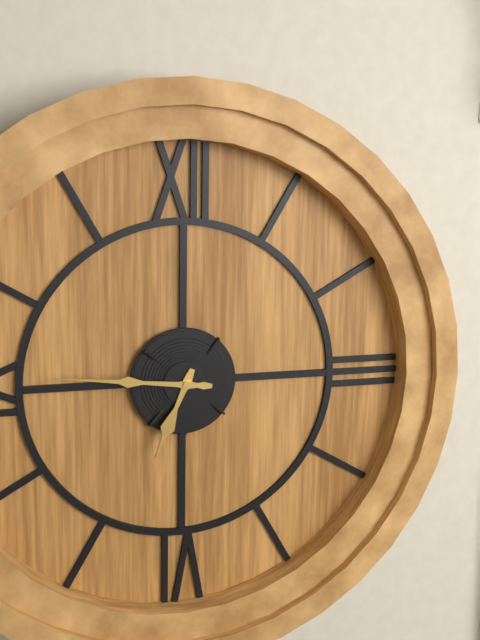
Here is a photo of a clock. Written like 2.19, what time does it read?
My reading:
6.46
